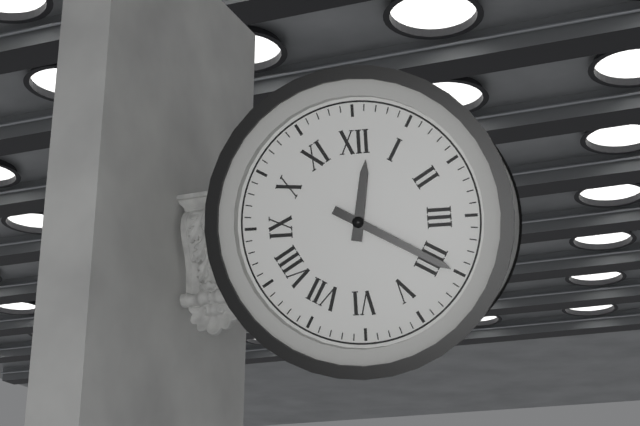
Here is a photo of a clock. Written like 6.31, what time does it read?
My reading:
12.20
